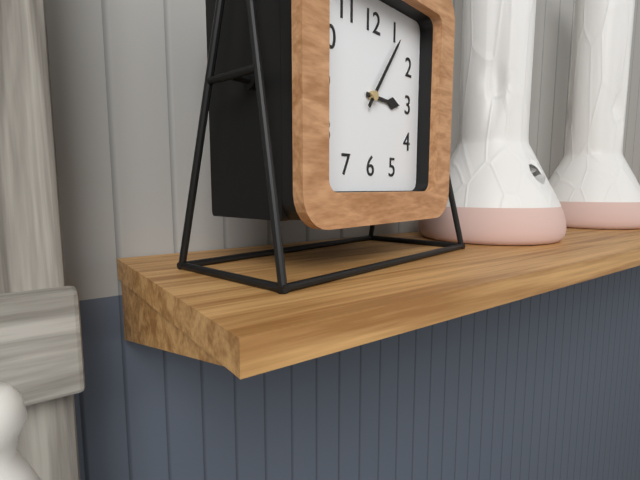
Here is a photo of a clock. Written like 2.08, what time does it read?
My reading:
3.06
